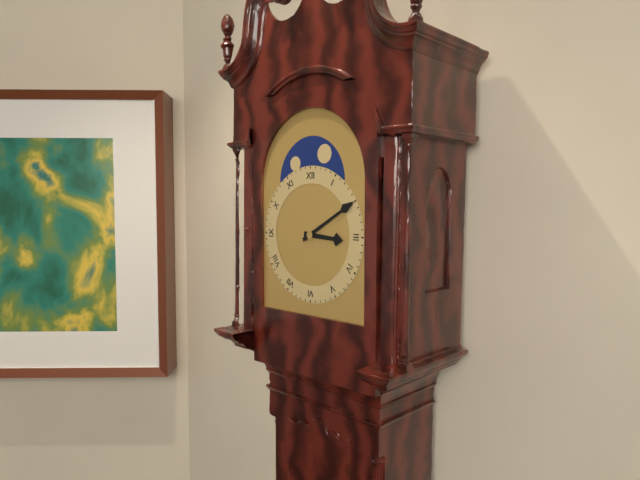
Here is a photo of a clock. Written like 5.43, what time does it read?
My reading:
3.10
